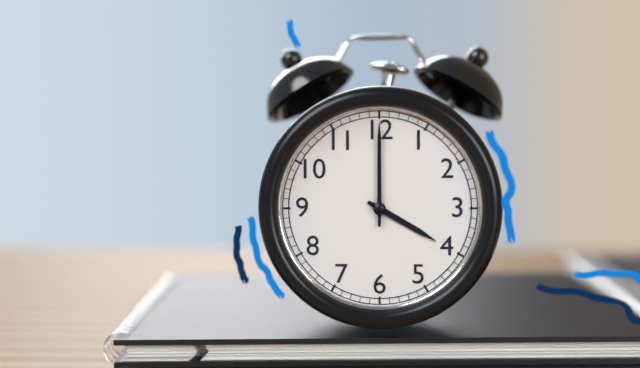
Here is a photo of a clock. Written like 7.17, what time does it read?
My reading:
4.00
